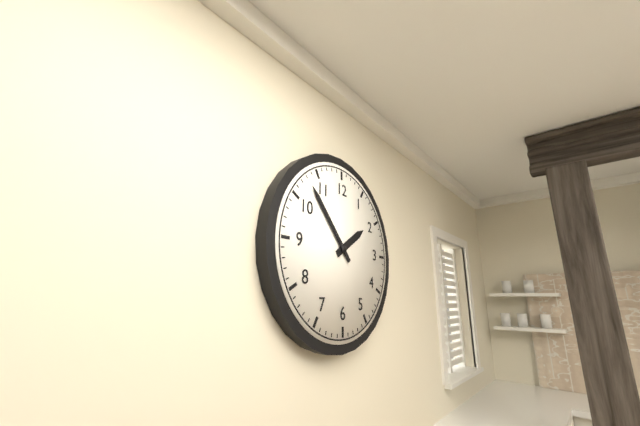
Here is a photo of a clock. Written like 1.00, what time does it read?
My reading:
1.53
